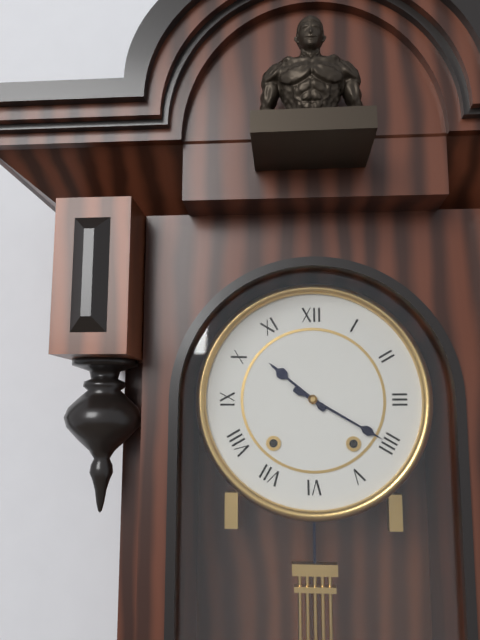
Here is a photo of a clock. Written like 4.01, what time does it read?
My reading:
10.20
